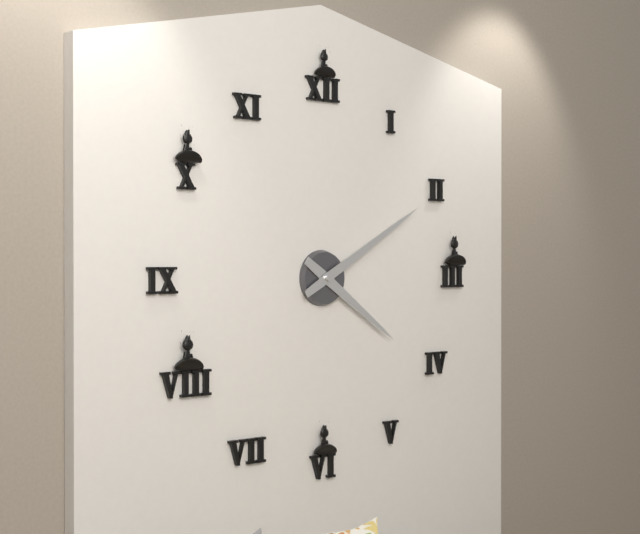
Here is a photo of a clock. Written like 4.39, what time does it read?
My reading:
4.10
